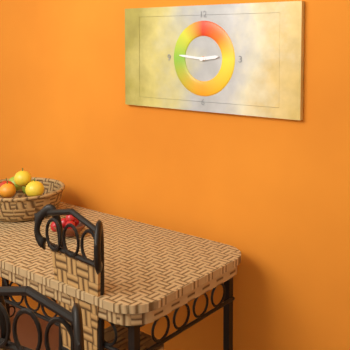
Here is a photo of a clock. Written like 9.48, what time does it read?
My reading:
2.46
